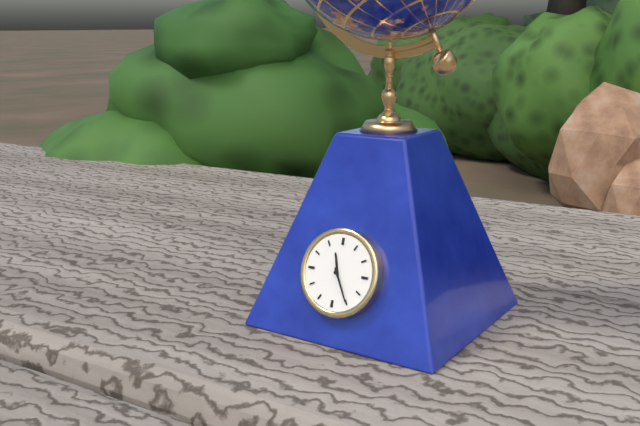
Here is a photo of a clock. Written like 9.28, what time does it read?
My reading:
11.25
